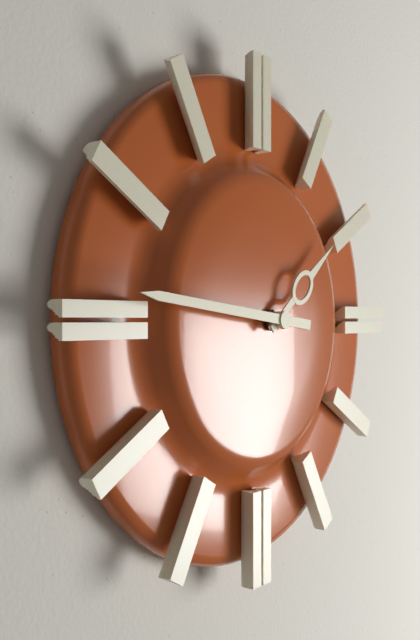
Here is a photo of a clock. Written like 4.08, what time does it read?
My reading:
1.46
